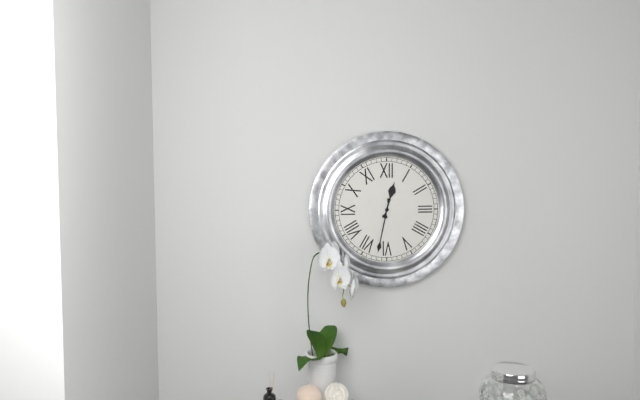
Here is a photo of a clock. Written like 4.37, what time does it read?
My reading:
12.32
